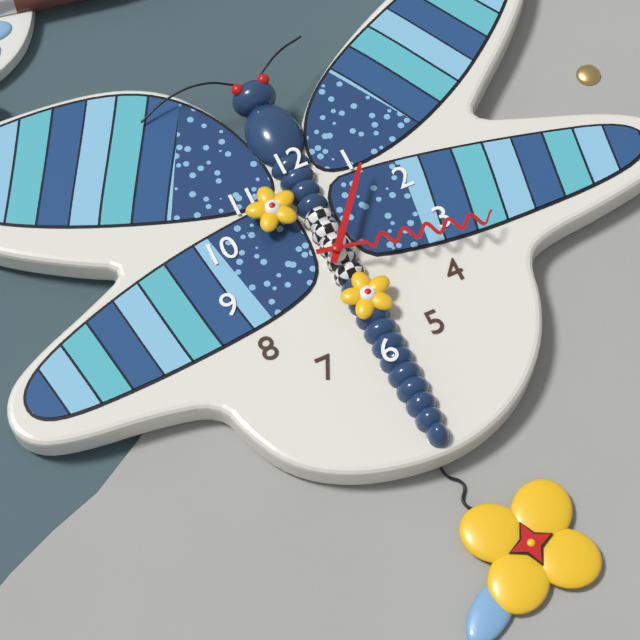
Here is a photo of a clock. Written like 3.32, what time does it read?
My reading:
1.17
